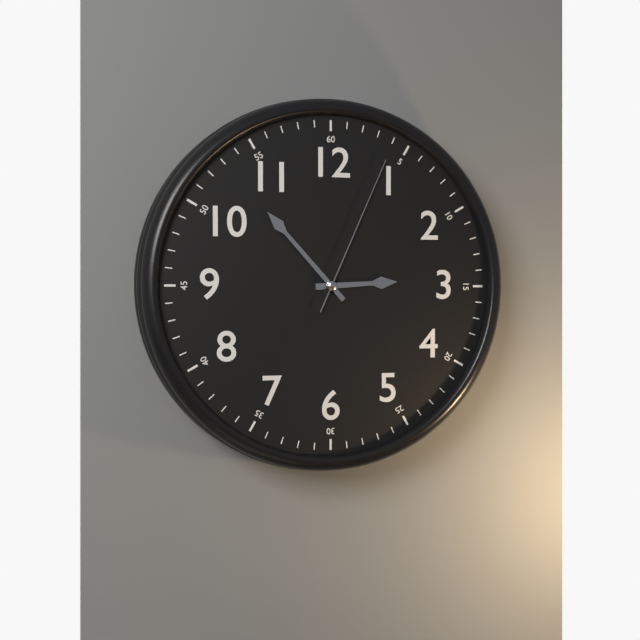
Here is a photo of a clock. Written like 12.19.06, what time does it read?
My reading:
2.53.04
